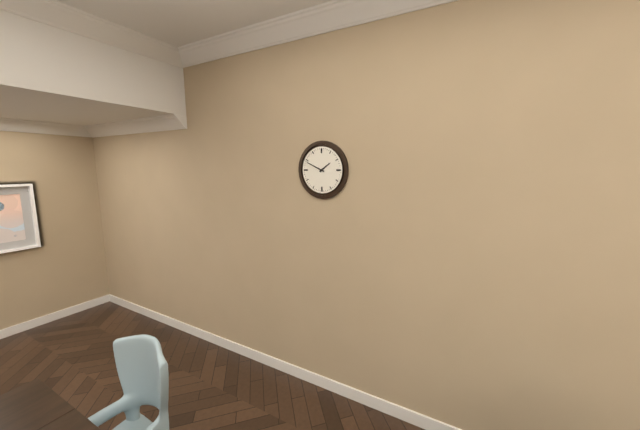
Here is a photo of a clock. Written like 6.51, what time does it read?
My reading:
1.49
